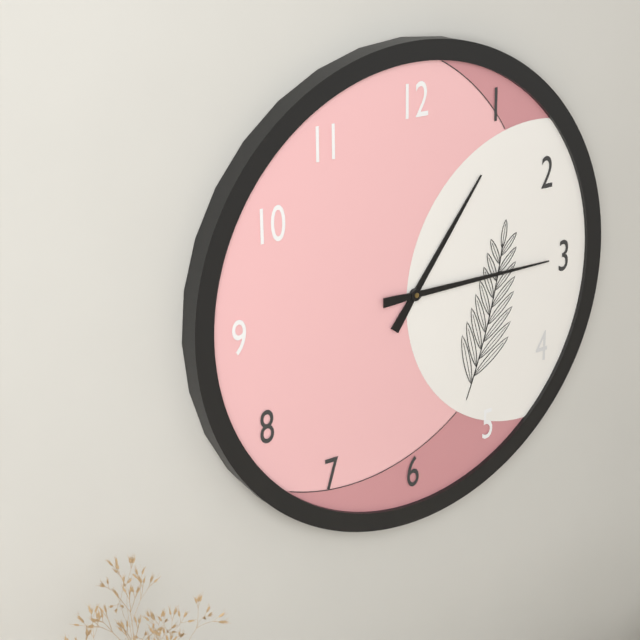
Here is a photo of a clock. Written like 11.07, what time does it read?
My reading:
1.15
